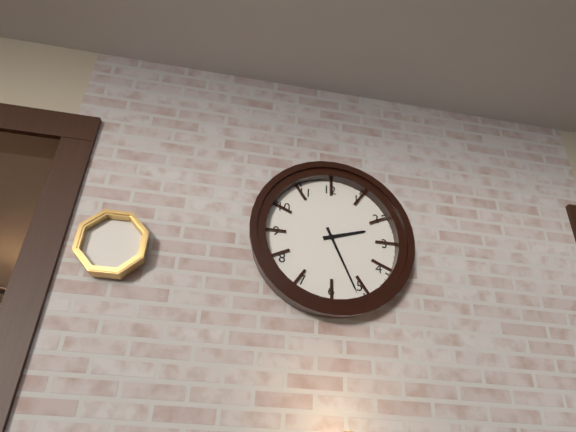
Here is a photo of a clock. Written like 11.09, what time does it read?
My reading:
2.26
